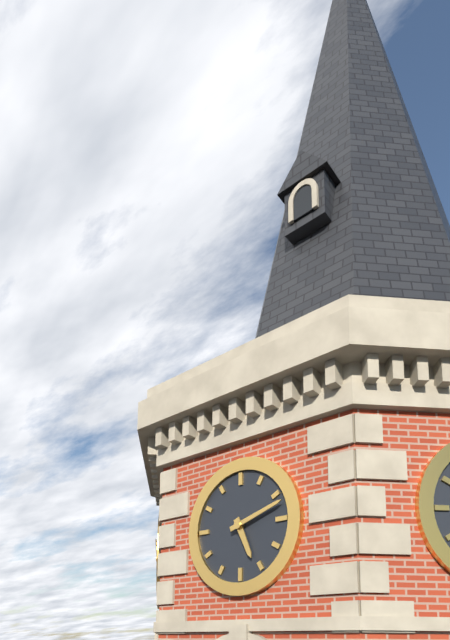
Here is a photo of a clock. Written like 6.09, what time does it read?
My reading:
5.12
